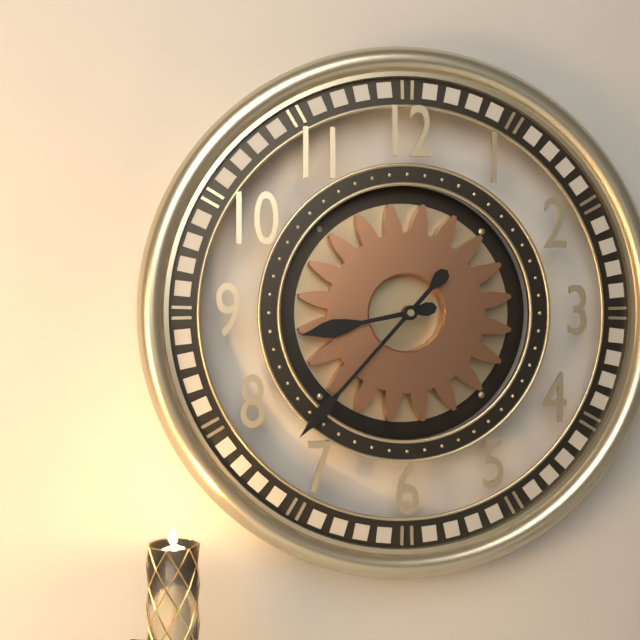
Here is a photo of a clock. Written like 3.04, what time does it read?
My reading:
8.37
